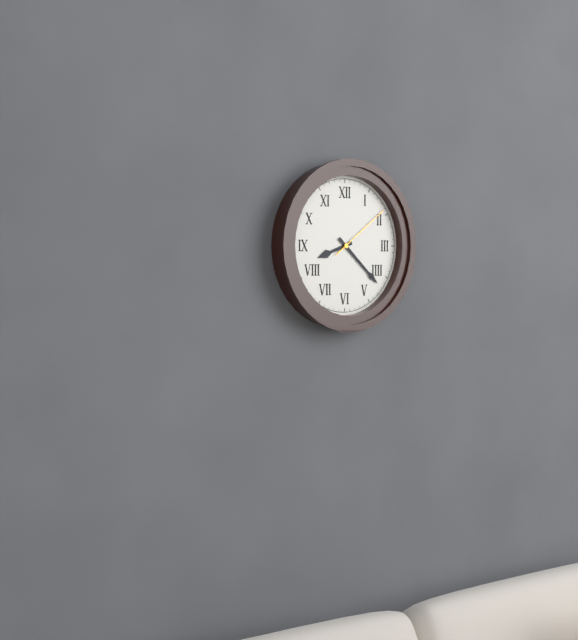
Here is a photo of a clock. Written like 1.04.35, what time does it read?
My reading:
8.22.09
